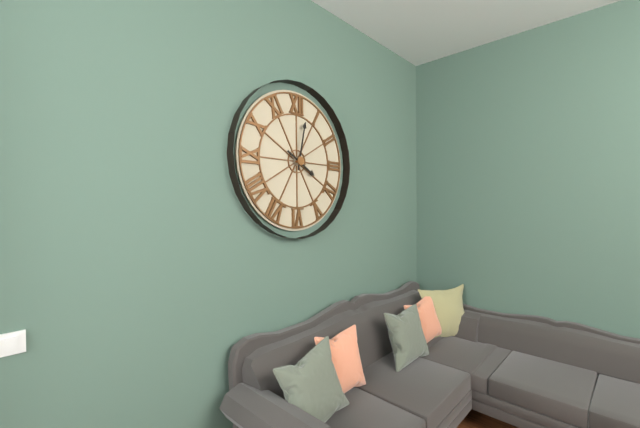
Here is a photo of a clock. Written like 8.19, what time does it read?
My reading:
4.02
